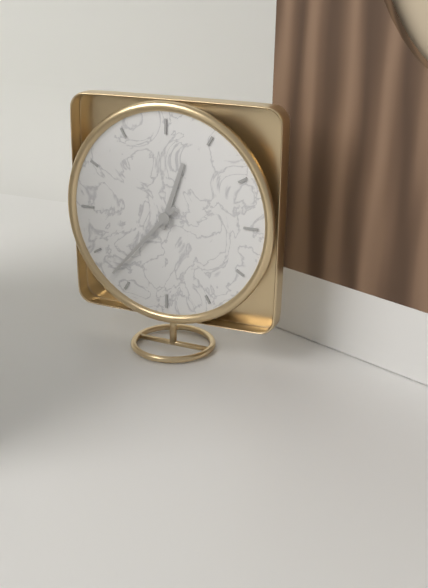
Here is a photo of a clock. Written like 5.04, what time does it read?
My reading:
12.37
